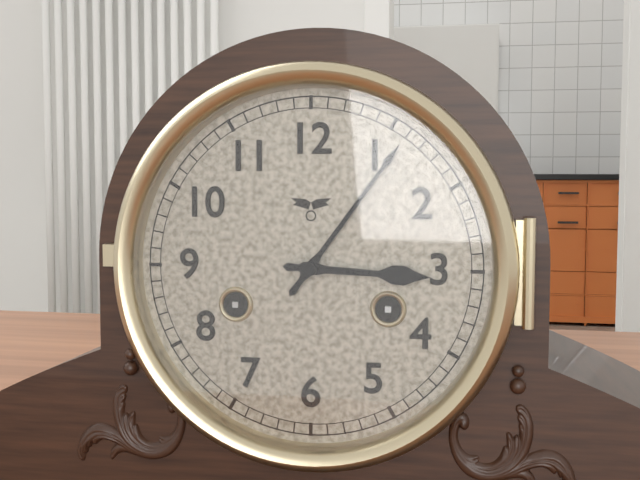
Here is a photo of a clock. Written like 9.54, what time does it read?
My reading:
3.06
